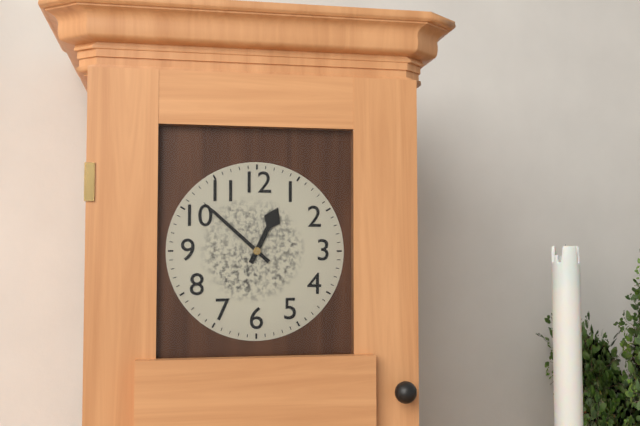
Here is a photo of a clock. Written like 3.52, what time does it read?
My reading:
12.52
